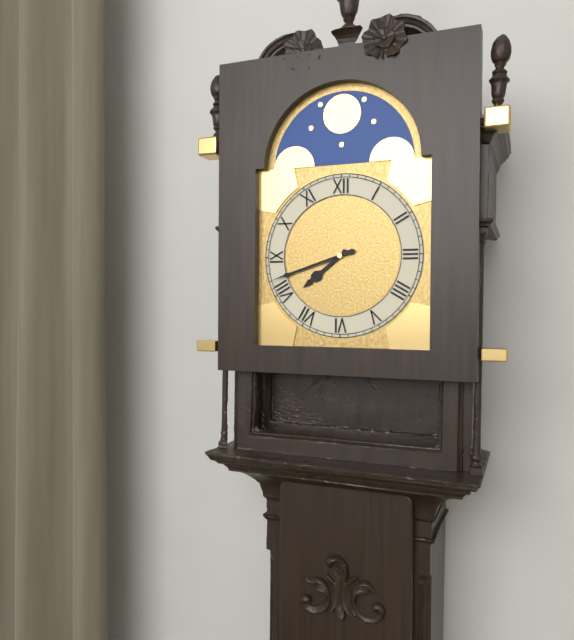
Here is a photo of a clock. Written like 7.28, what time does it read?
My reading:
7.42
